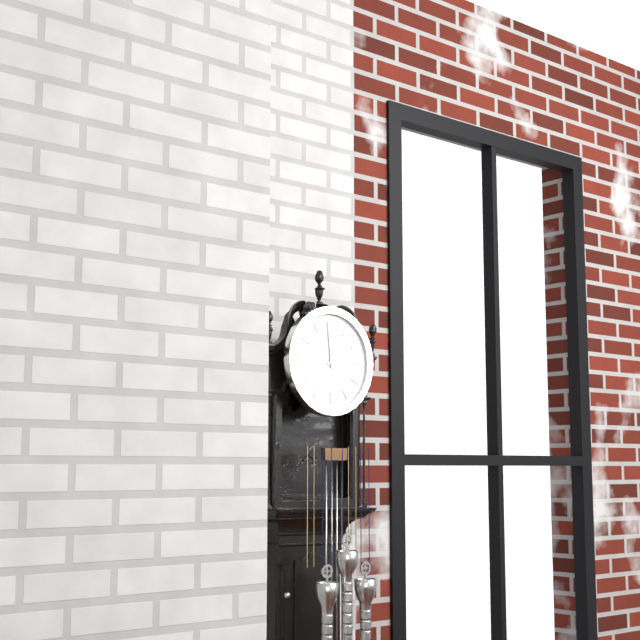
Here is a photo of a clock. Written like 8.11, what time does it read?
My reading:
1.59
